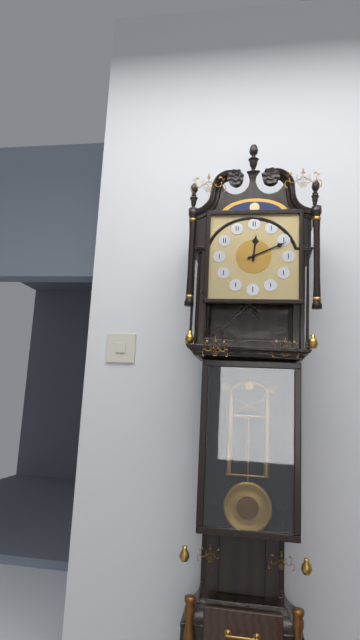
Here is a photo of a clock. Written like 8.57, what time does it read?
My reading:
12.11
